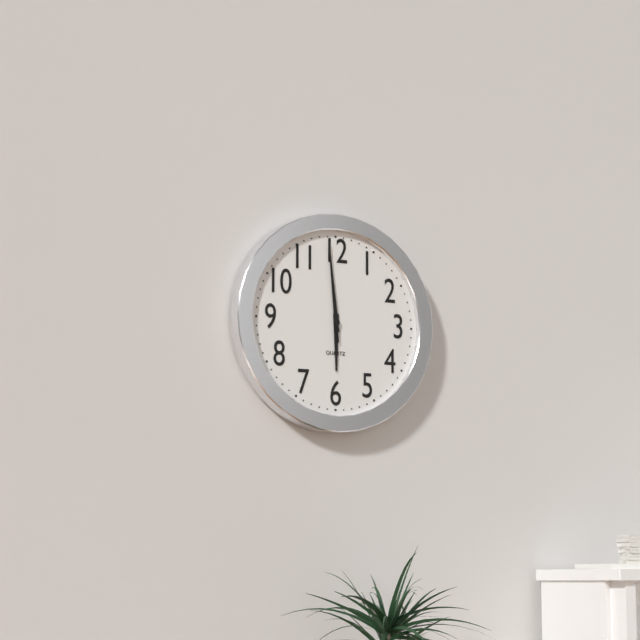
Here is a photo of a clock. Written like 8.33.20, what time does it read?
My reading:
5.59.59
